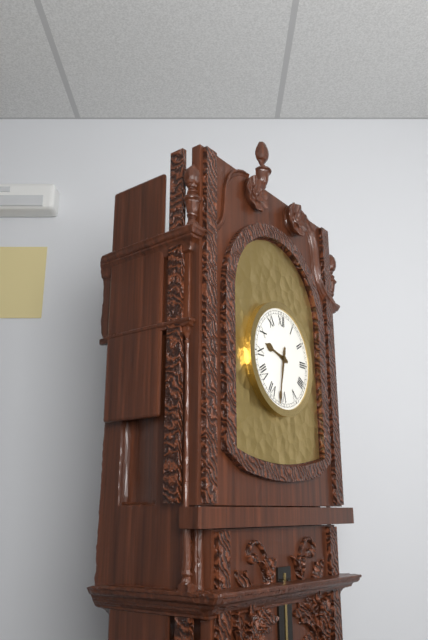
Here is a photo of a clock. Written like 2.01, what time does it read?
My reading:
9.32
